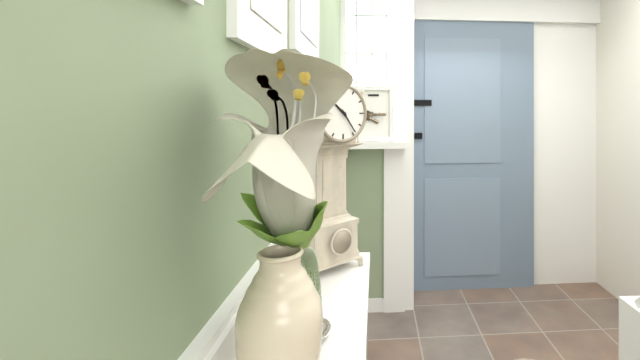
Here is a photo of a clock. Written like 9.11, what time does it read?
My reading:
10.24
